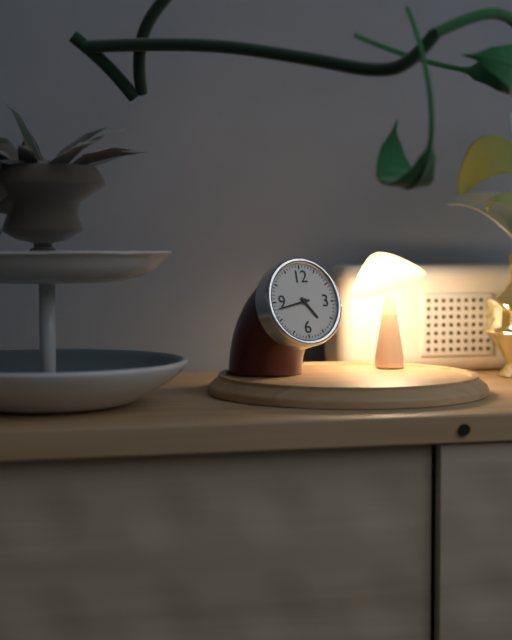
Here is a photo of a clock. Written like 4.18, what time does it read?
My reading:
4.43
